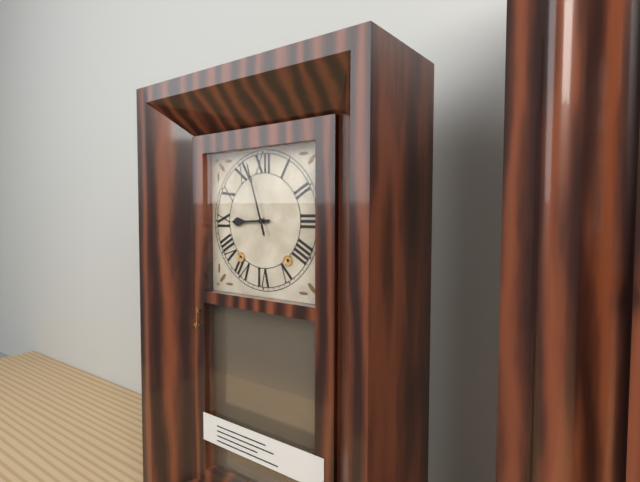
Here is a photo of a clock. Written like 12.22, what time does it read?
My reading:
8.57
